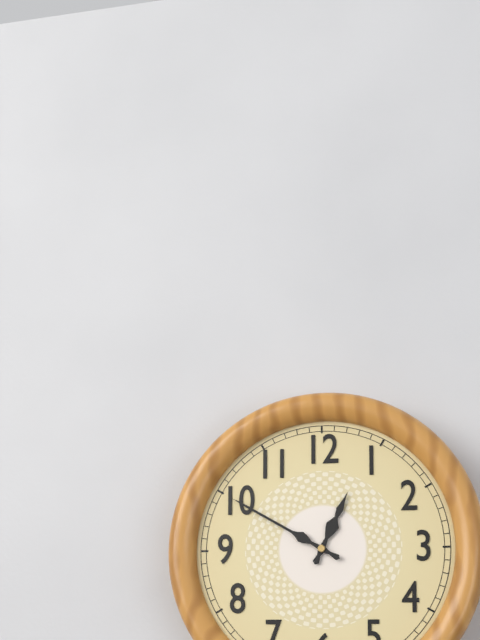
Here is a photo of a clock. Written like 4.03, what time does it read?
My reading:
12.50
